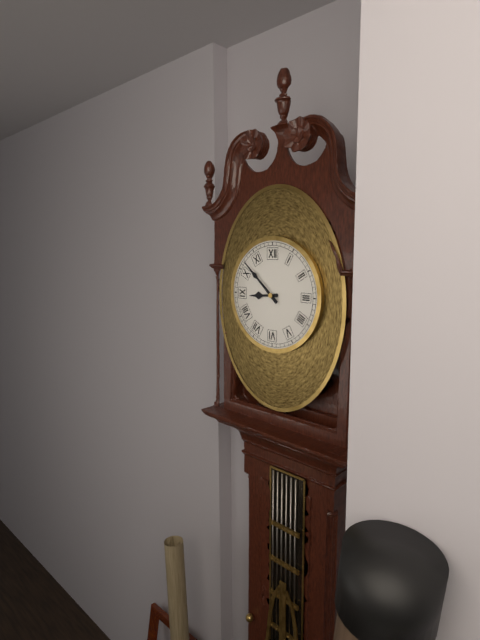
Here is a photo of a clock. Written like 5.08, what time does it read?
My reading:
8.52
